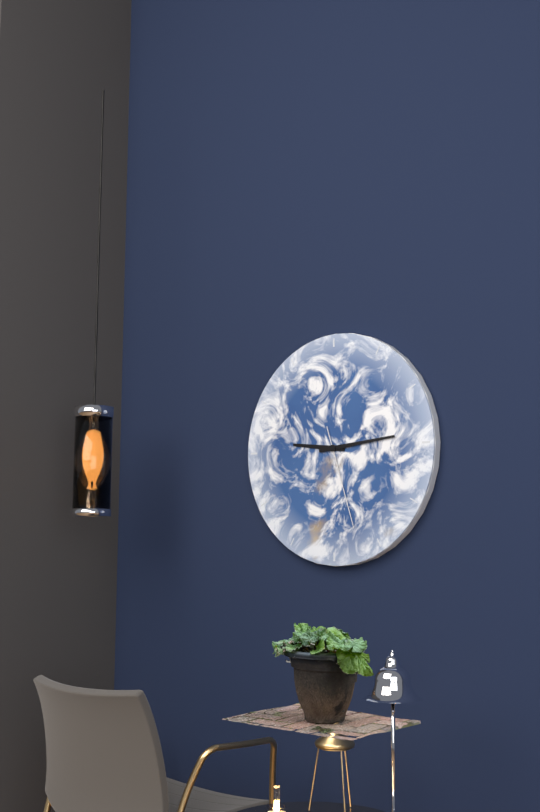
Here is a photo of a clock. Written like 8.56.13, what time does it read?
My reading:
9.14.27
